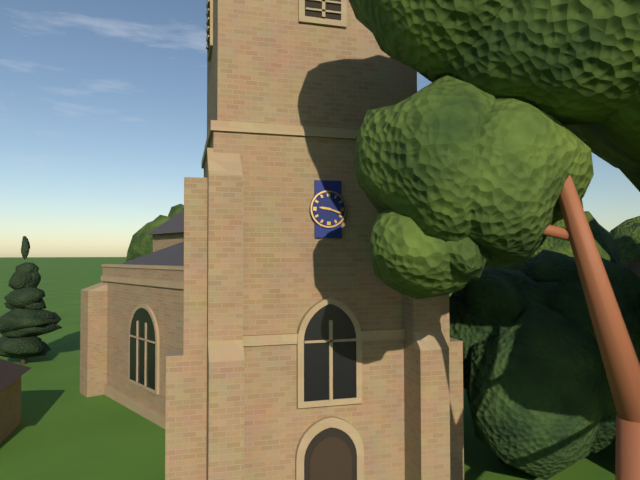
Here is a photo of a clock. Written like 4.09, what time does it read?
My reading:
9.18
